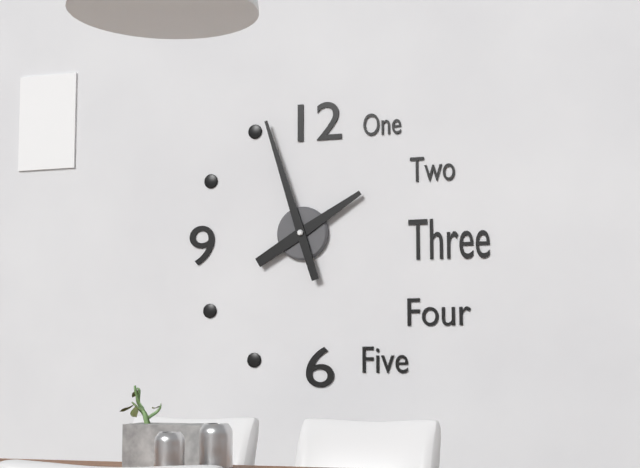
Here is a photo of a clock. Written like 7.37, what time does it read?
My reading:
1.57
